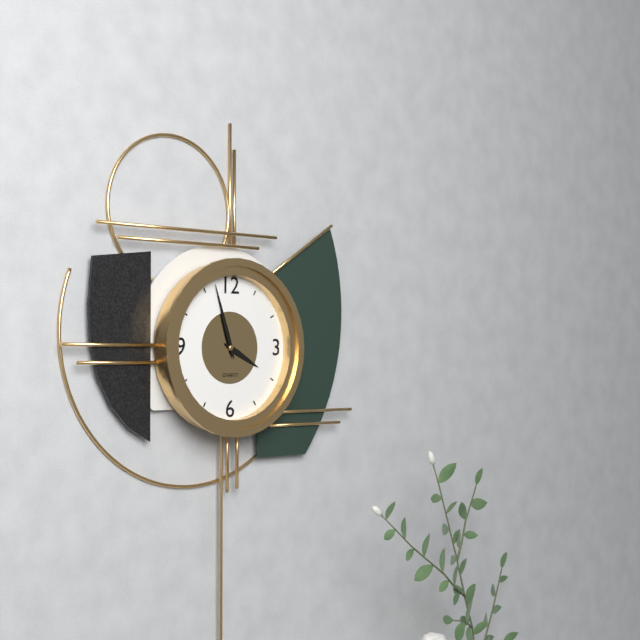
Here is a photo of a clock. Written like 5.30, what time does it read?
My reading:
3.57
